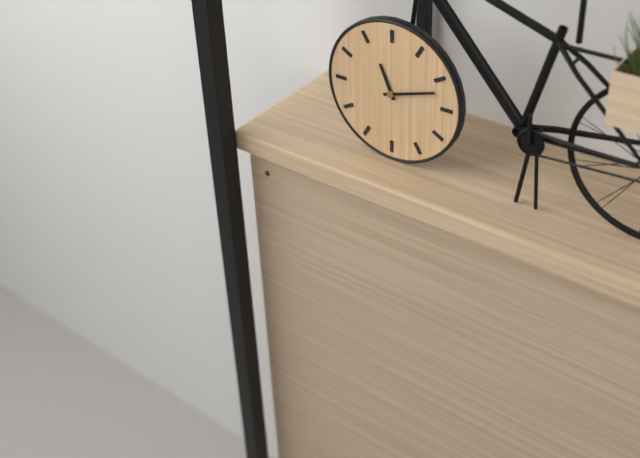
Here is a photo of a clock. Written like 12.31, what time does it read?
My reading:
11.12
